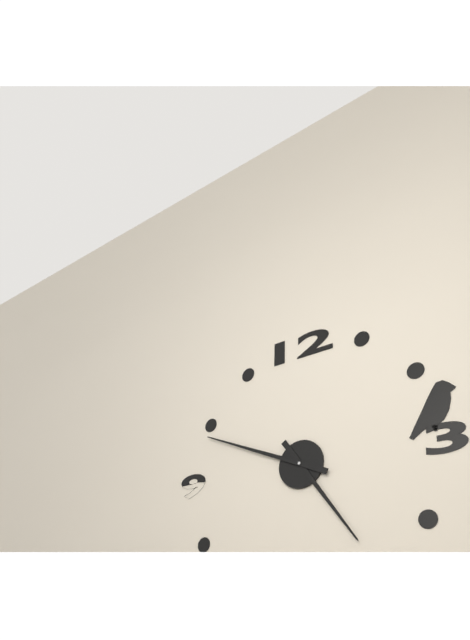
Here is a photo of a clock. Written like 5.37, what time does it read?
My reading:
4.49
